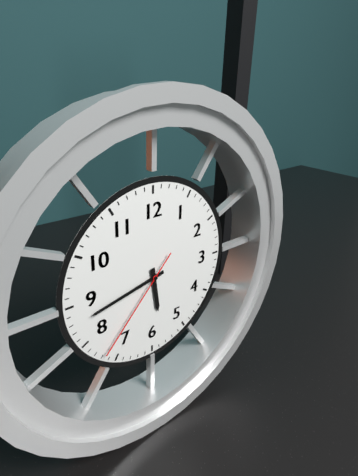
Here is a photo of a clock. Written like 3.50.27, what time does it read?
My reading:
5.43.37
